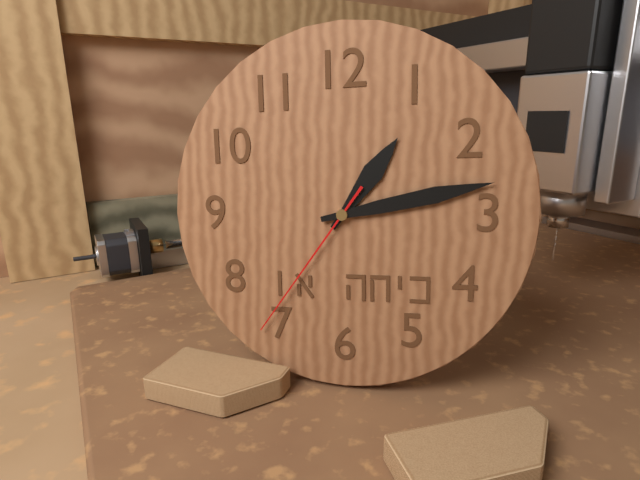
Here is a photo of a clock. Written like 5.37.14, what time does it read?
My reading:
1.13.36
